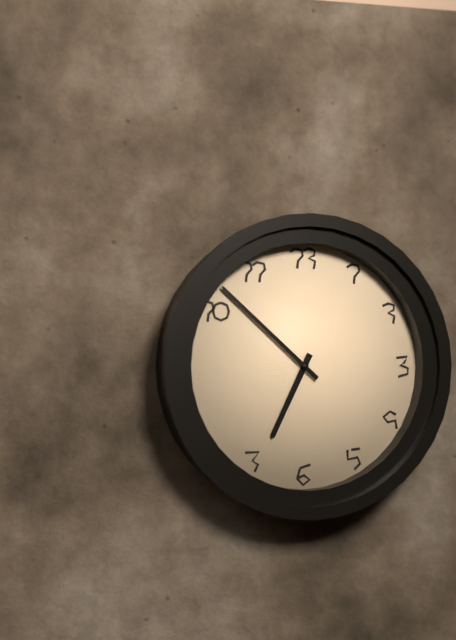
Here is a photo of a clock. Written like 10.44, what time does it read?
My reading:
6.52
